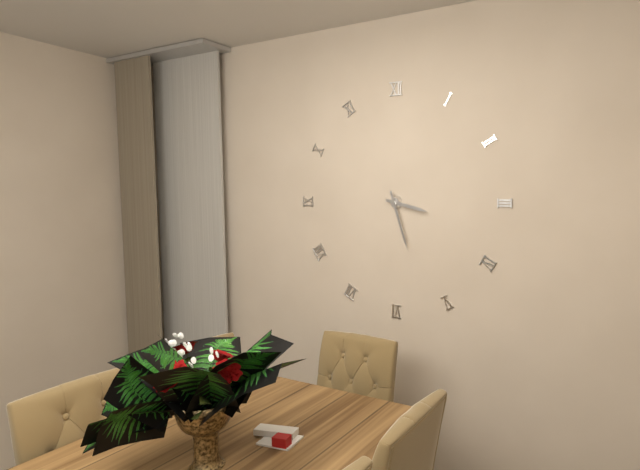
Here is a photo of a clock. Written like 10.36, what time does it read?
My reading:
3.27
